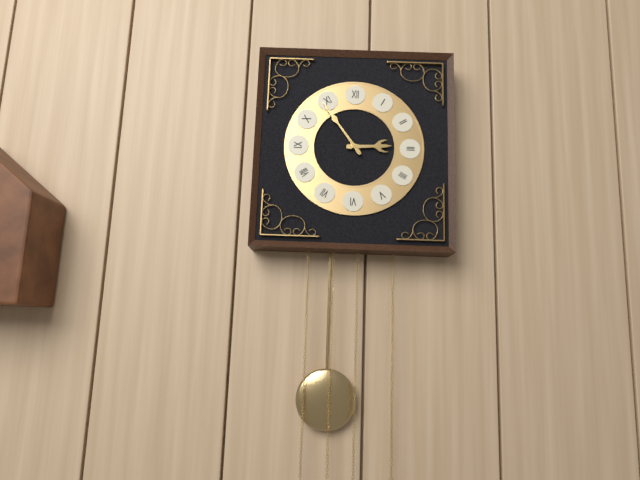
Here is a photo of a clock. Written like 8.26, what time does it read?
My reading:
2.54
